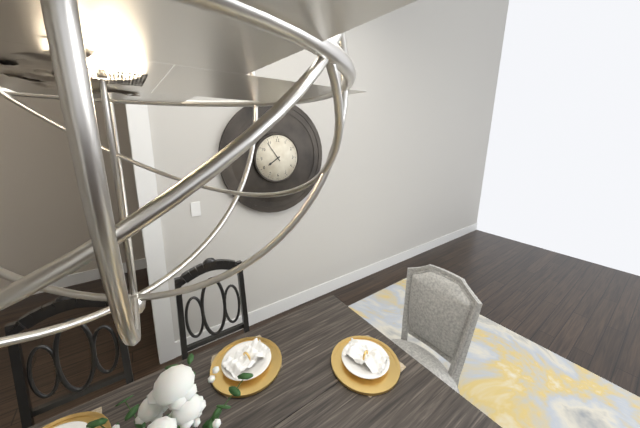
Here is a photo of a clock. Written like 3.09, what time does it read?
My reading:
7.54
